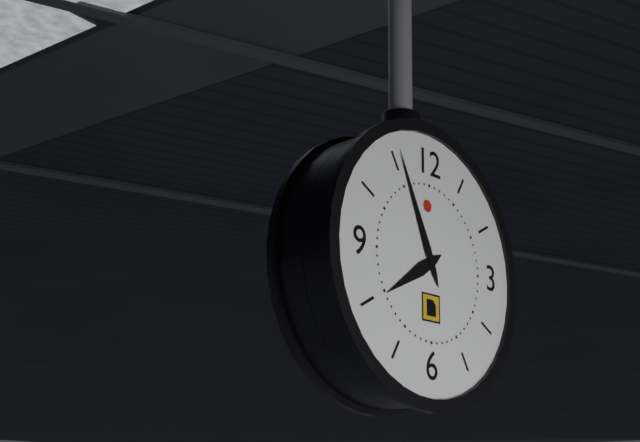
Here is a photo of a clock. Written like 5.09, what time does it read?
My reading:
7.56
